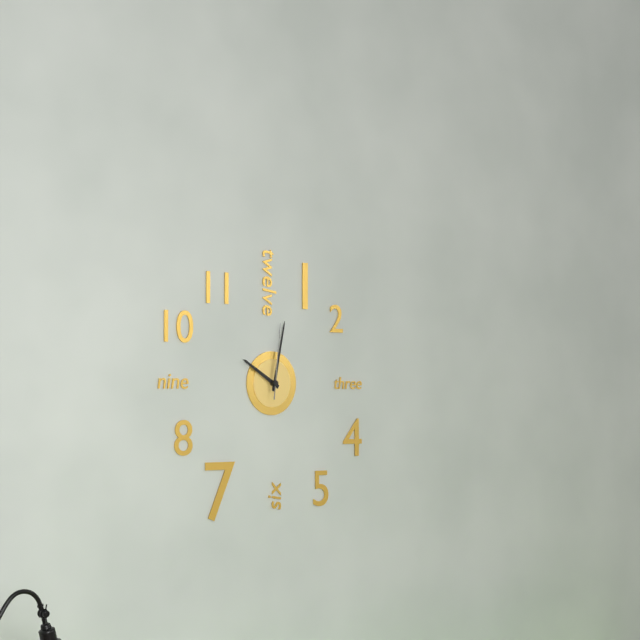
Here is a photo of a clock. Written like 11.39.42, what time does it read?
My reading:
10.02.01
